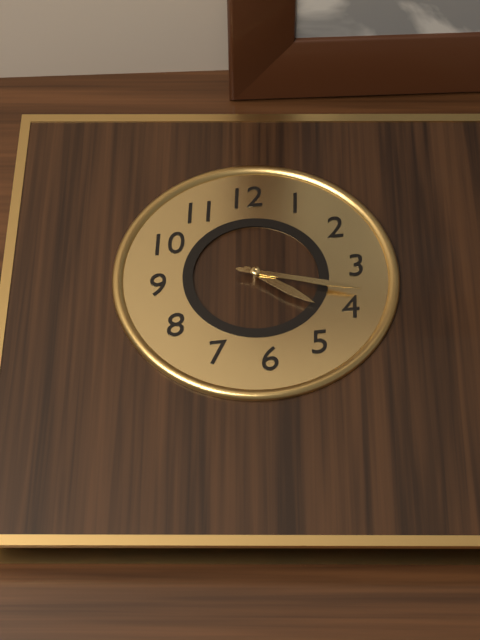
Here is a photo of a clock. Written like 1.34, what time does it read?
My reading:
4.18
